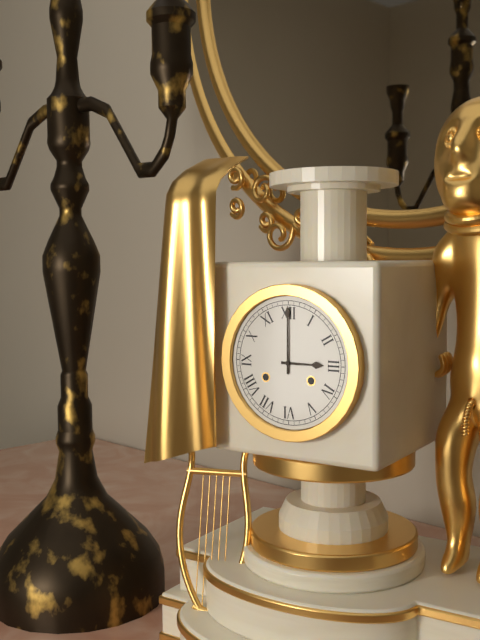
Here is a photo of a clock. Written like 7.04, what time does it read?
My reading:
3.00
